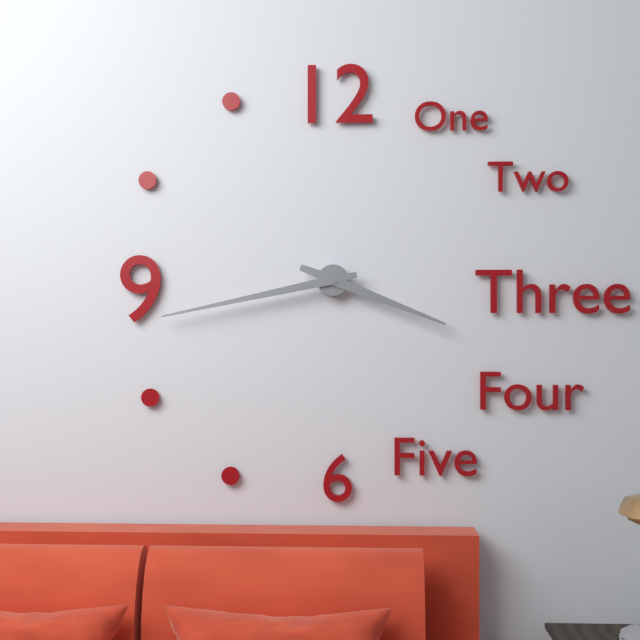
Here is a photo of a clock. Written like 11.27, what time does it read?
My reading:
3.43
